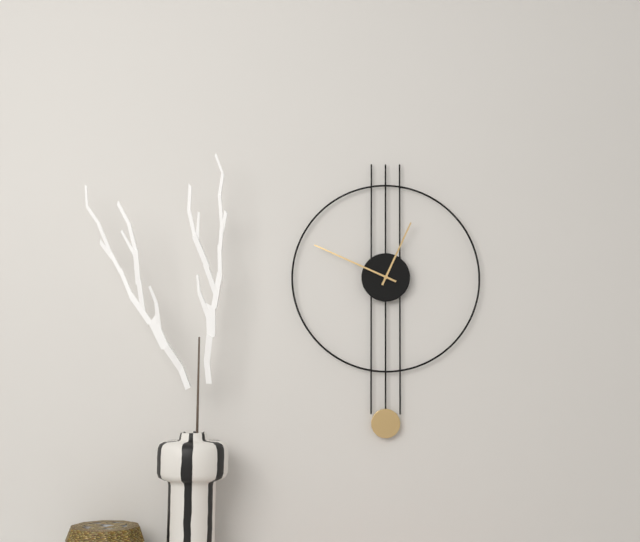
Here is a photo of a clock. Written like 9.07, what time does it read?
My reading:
12.49
